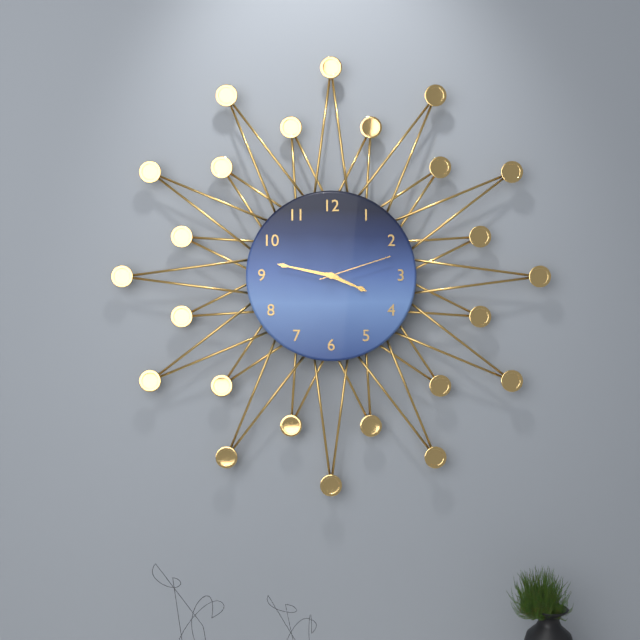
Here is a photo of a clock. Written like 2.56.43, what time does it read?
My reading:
3.47.12
